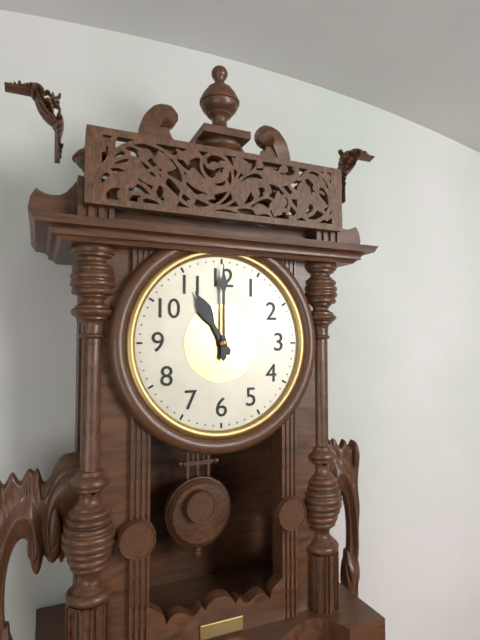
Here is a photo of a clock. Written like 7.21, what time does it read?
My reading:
11.00
